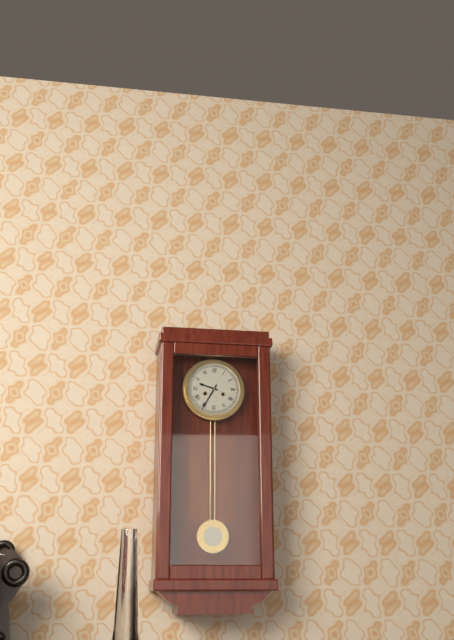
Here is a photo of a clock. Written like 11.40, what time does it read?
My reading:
9.35
